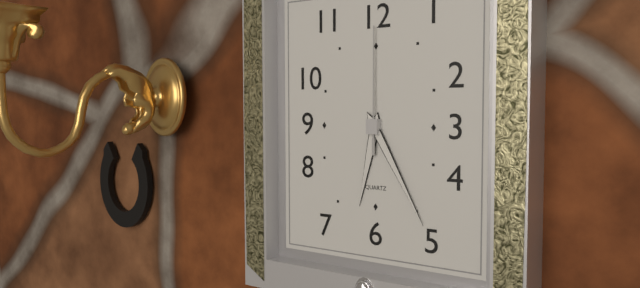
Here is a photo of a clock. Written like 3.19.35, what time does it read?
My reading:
6.25.00
